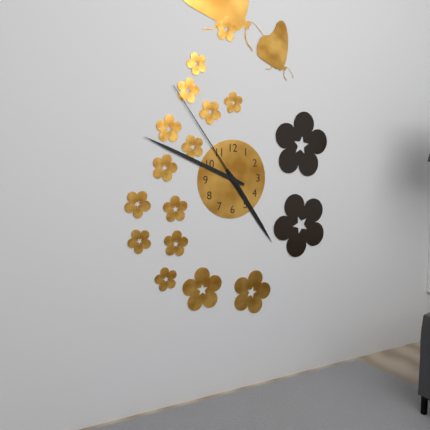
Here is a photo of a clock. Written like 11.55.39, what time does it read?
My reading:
4.49.54
